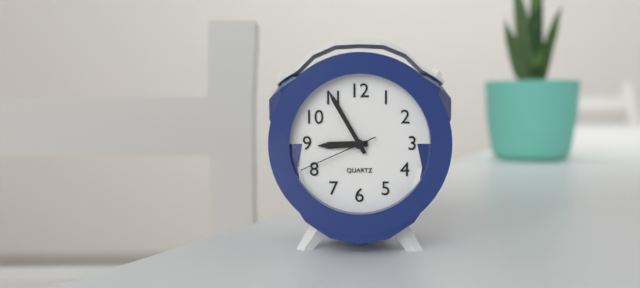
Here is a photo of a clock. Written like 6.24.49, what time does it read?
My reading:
8.55.41
